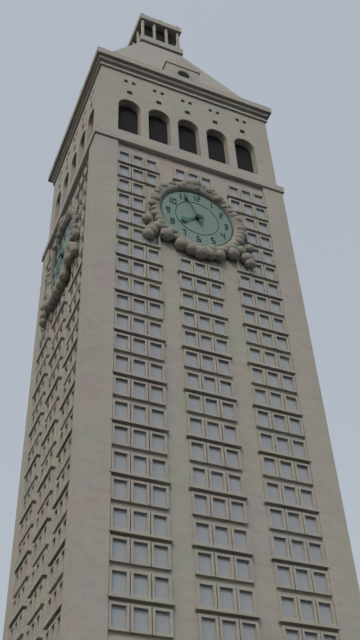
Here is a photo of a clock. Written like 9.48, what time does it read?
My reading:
7.56
